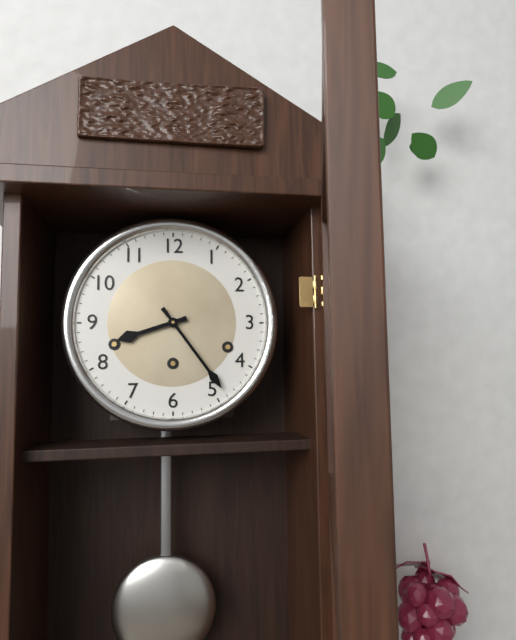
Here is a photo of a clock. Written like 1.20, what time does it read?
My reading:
8.24
